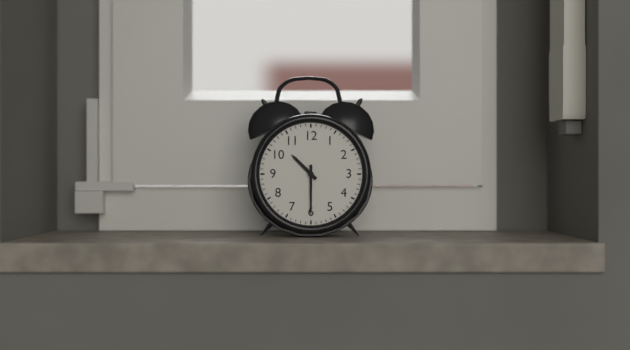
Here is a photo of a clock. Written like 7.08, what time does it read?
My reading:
10.30
